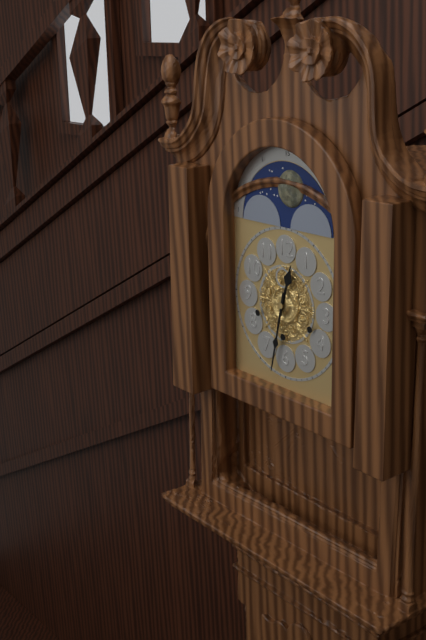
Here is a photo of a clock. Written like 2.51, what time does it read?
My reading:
12.32
